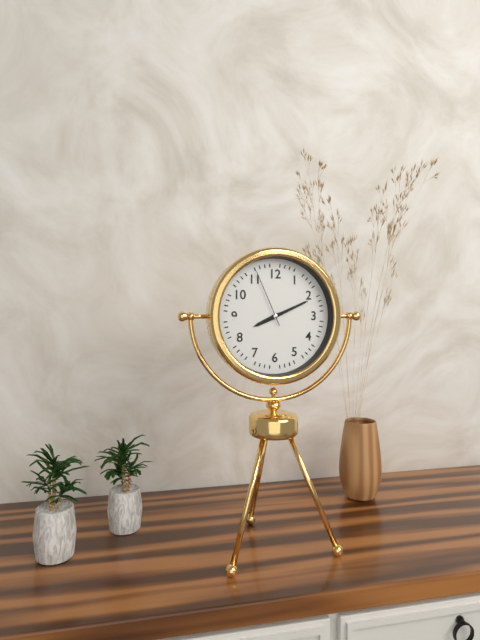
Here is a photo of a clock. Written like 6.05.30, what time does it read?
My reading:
8.11.56
